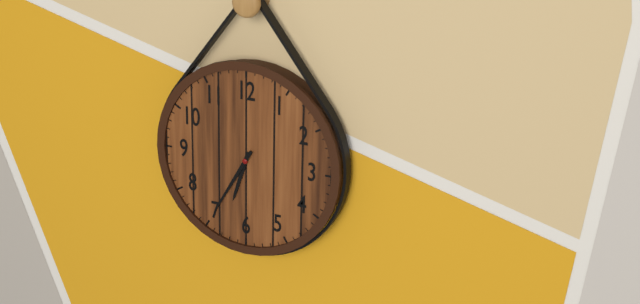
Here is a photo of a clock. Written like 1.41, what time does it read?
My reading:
6.35
